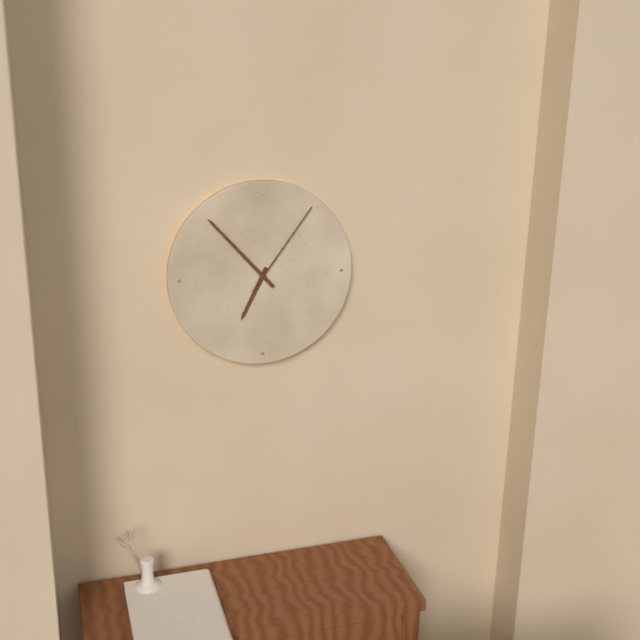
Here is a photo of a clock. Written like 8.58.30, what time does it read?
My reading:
6.53.06
